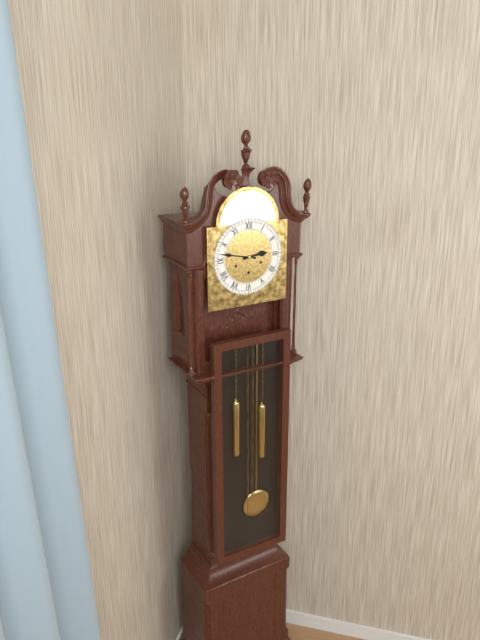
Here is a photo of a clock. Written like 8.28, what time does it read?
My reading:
2.47
